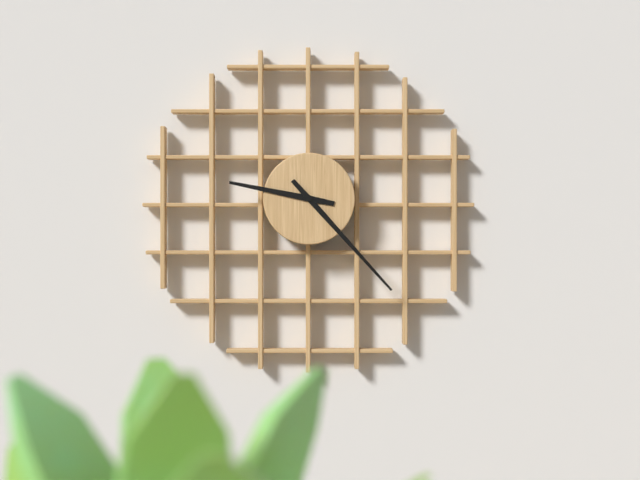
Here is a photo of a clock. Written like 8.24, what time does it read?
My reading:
9.23
